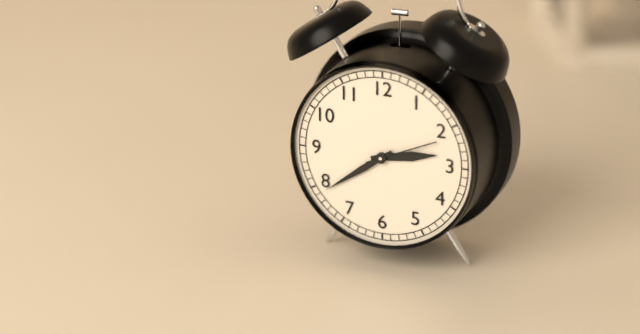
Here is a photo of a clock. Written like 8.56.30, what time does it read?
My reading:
2.39.11
